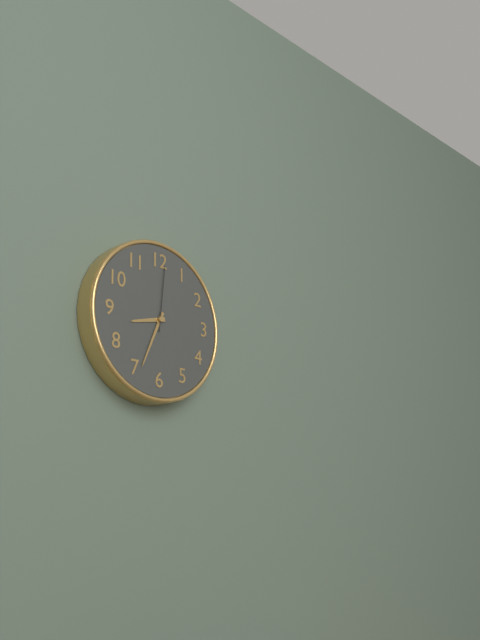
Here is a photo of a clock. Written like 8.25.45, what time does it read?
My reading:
8.34.01
